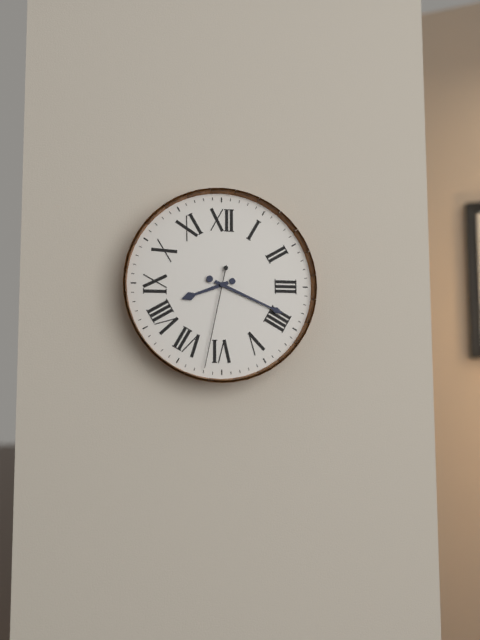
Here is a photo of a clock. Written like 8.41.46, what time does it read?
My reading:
8.19.32
